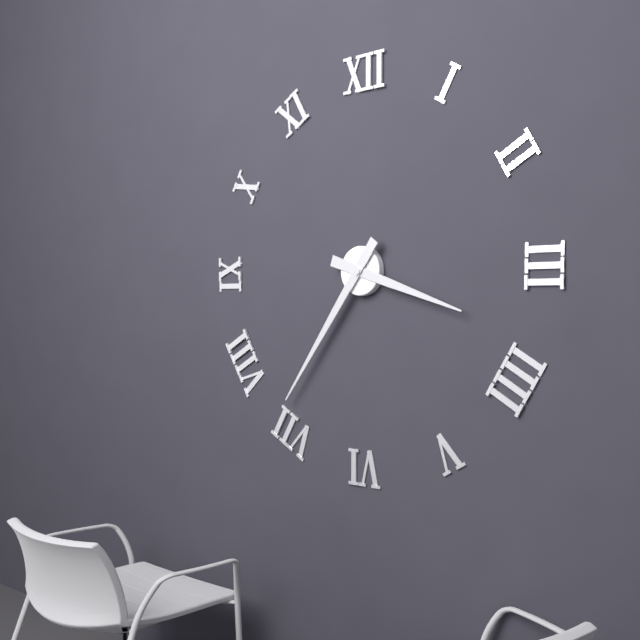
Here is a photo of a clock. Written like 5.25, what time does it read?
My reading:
3.36
